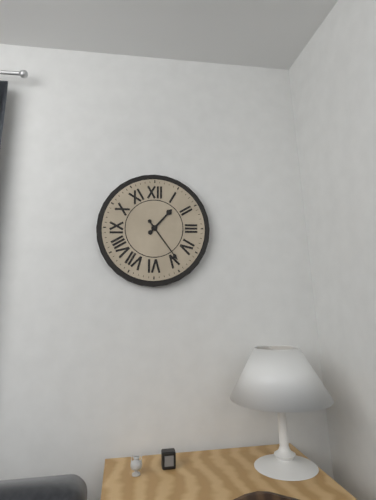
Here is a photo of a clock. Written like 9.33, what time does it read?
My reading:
1.24
